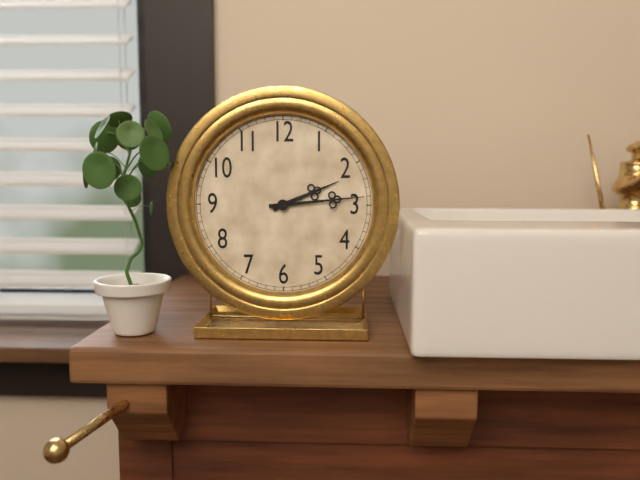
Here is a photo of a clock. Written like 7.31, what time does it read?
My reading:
2.14
